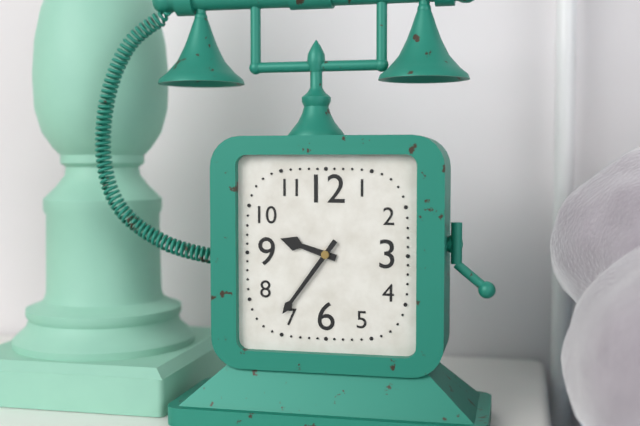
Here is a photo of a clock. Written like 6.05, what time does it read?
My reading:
9.36
